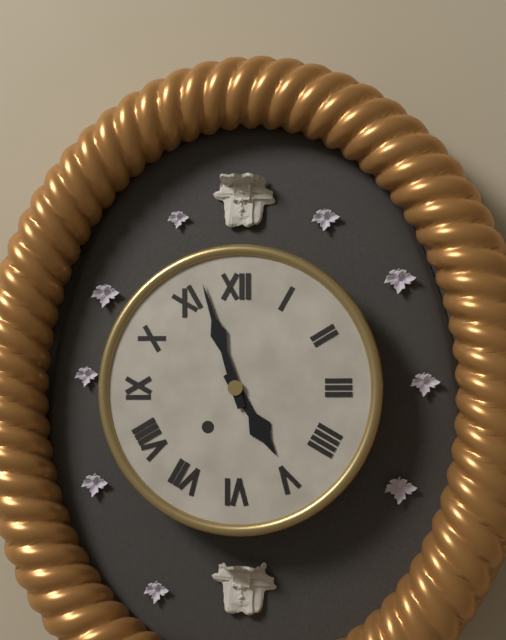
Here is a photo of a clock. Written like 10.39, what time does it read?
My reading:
4.57
